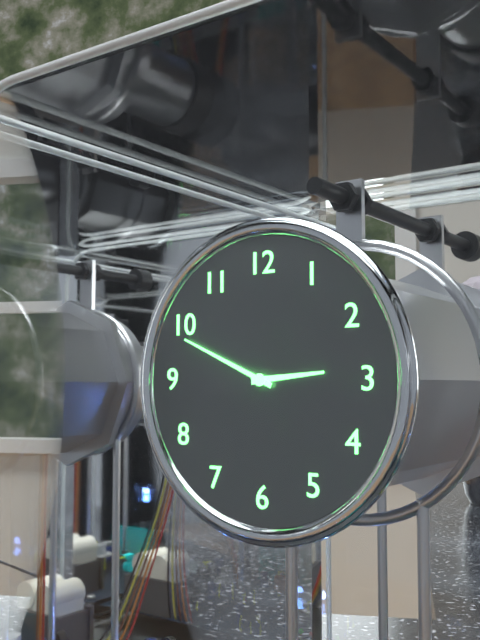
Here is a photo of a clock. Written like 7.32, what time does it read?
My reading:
2.49
